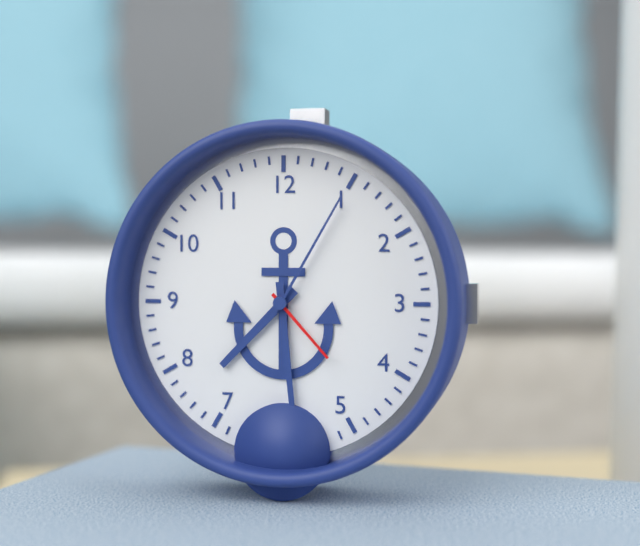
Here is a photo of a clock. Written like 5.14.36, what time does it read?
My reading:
7.29.23
